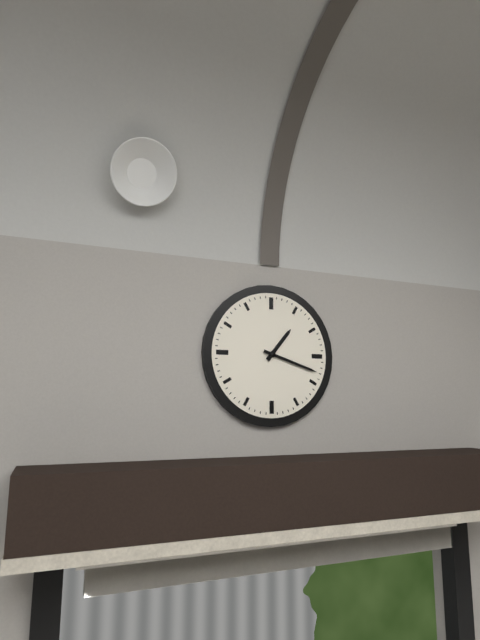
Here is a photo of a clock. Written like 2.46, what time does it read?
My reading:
1.18
